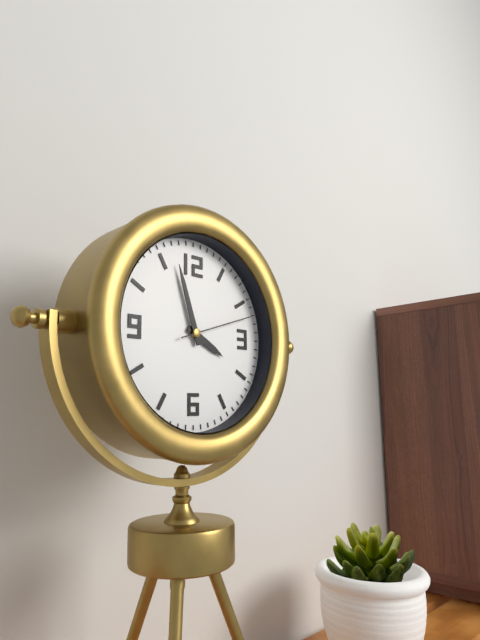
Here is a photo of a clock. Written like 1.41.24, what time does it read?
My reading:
3.57.12
